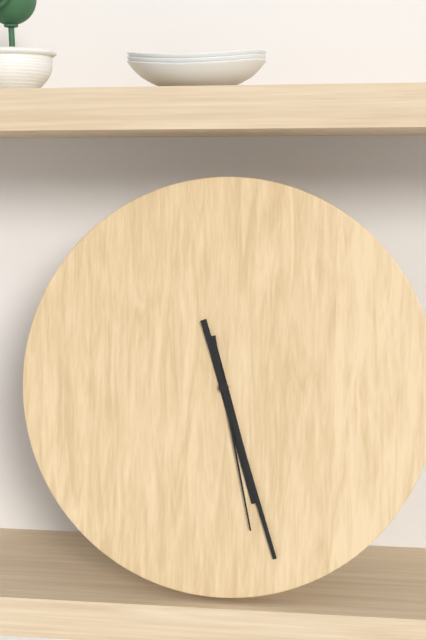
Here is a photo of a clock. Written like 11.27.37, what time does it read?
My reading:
5.27.28
